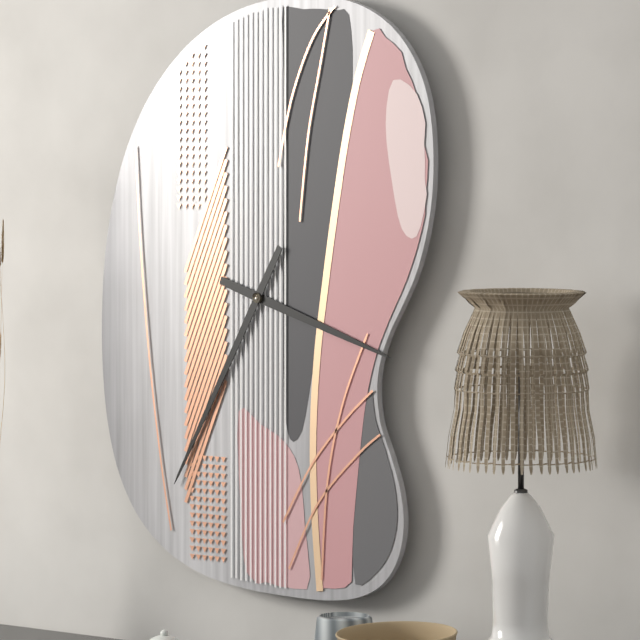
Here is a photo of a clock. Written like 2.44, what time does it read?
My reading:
3.35
